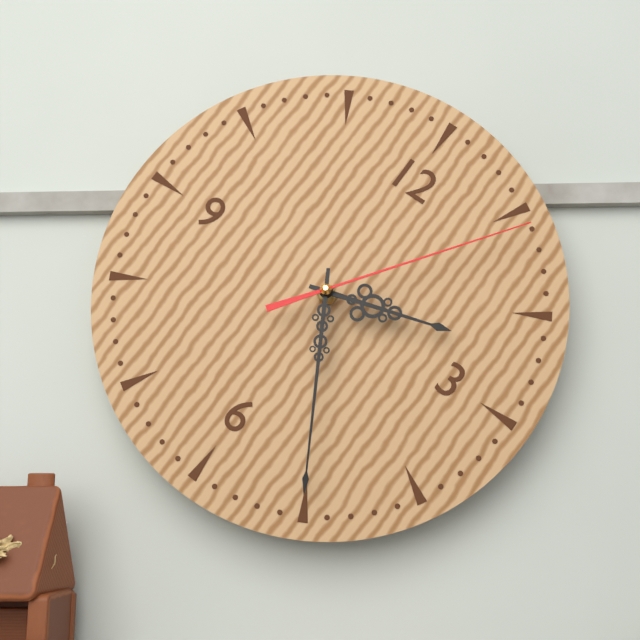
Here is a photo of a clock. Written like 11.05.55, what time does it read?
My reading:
2.25.06
